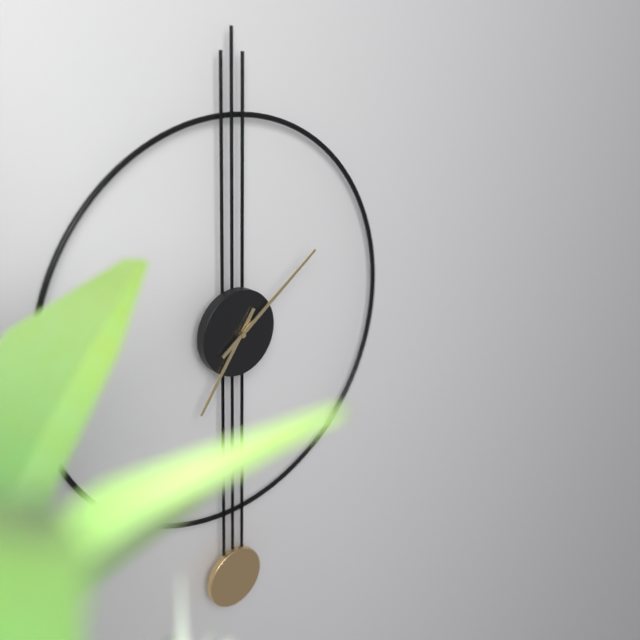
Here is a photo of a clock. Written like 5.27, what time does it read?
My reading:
7.09
